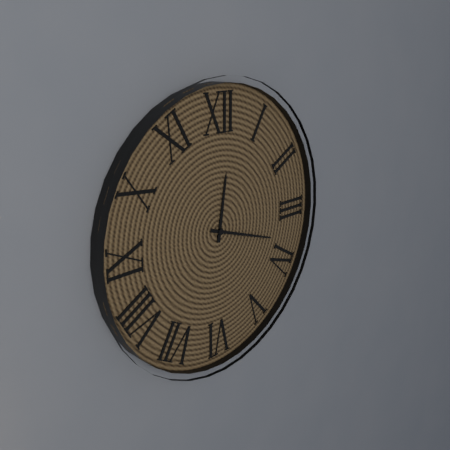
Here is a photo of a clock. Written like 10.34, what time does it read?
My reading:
12.18
